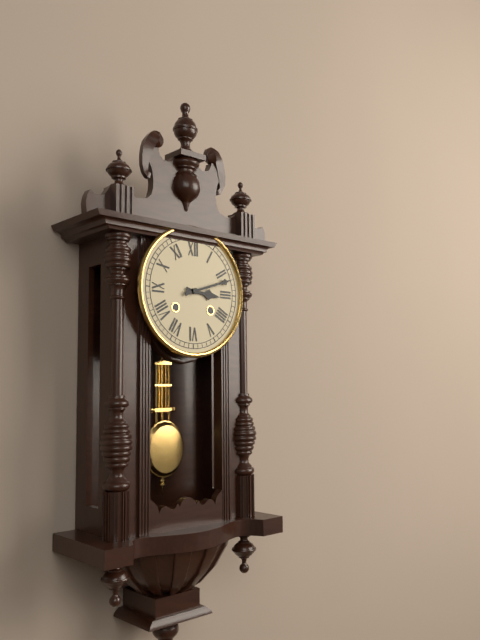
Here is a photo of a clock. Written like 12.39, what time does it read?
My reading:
3.12
